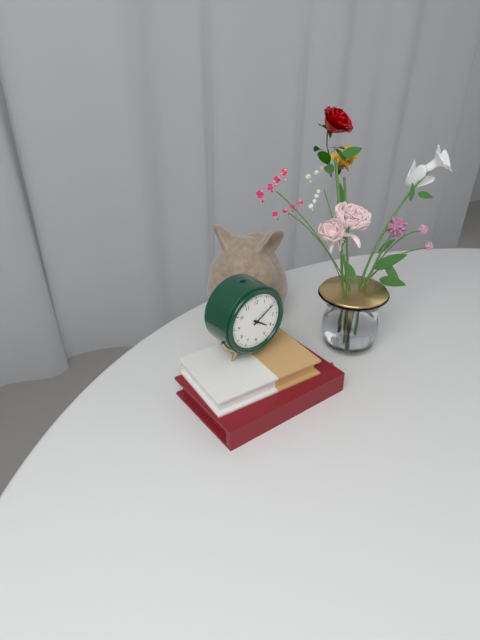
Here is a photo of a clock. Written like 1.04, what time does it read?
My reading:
4.10
